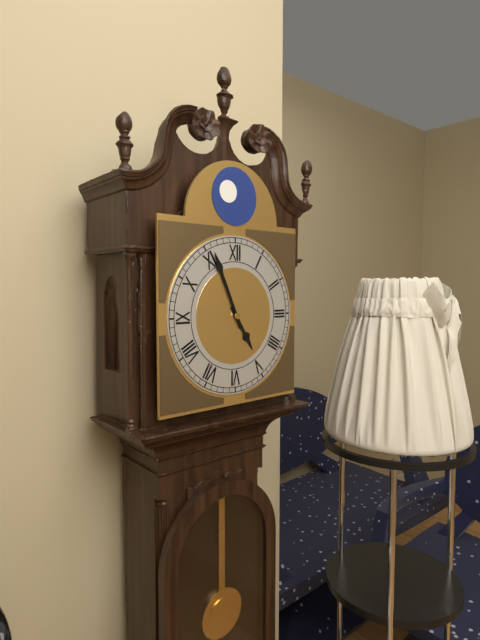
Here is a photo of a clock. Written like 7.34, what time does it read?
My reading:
4.56
